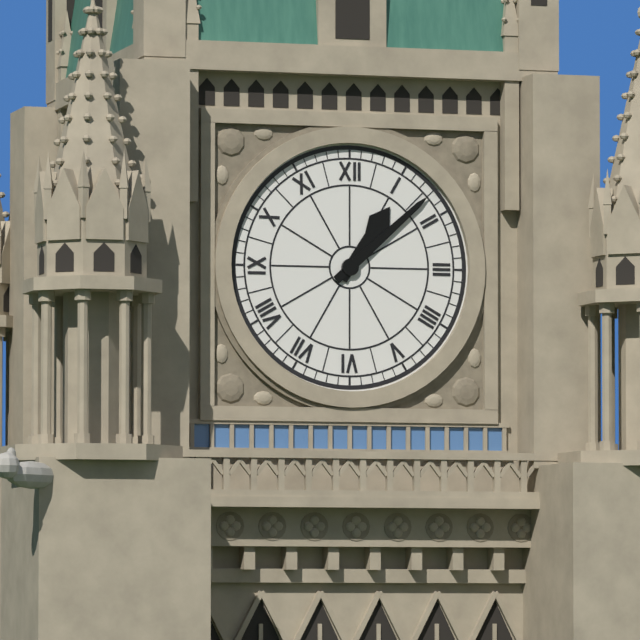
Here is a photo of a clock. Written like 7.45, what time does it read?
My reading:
1.08
